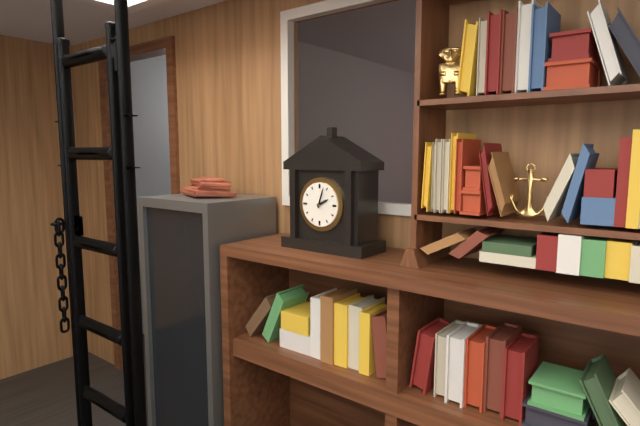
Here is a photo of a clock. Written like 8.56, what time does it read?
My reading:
2.03
